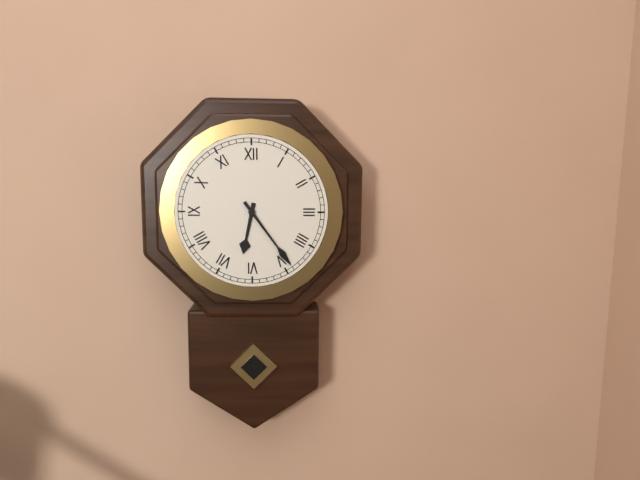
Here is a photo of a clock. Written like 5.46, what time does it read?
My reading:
6.24
